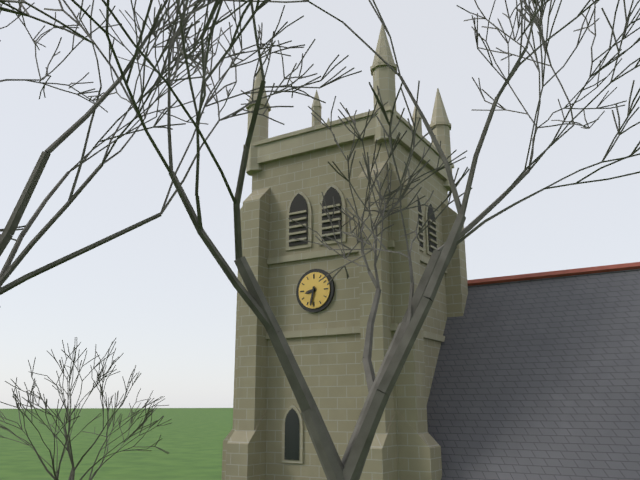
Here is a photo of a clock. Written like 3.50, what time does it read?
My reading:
8.32
